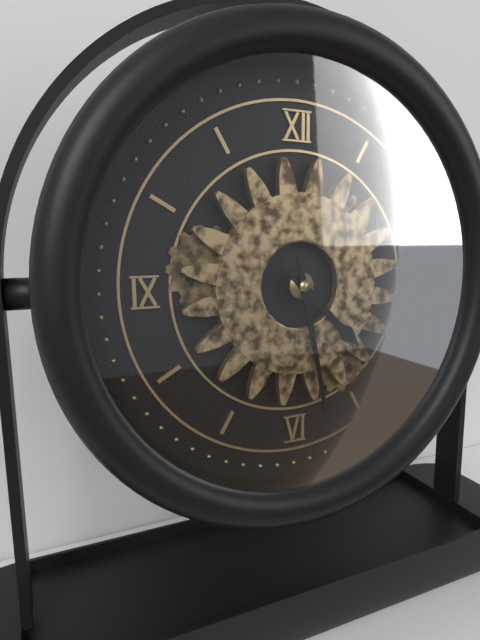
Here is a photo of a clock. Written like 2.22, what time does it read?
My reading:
4.28
